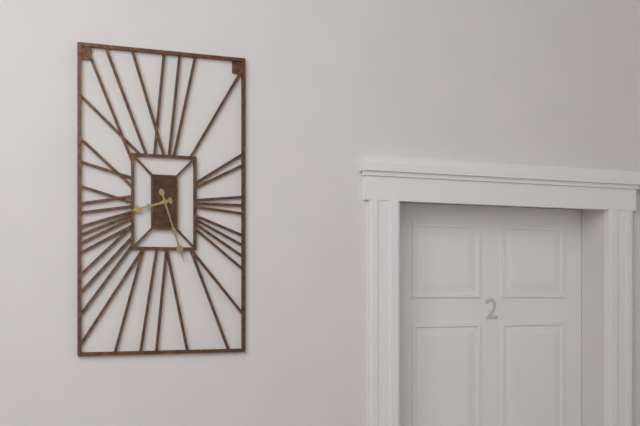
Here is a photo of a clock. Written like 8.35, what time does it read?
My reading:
8.27
